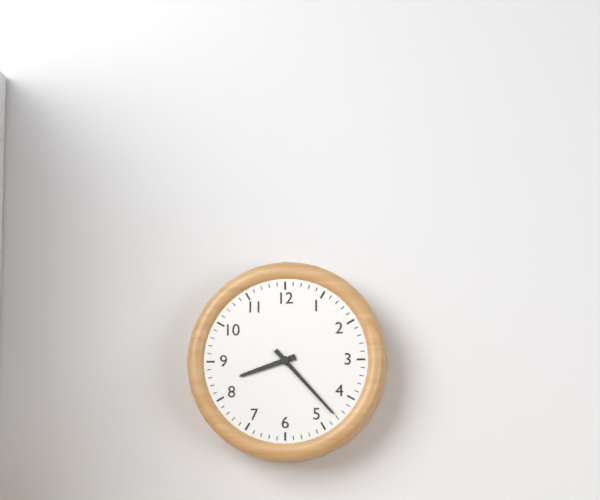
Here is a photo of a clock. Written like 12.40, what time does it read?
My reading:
8.23
